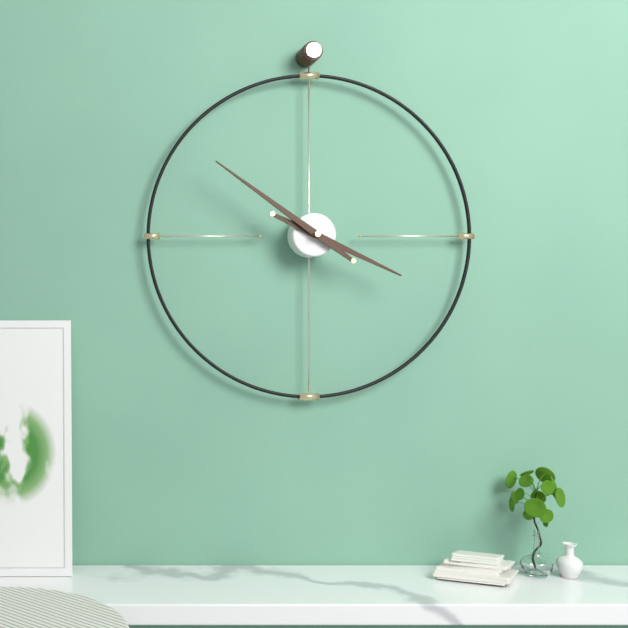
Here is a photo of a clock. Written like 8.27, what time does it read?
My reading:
3.51
